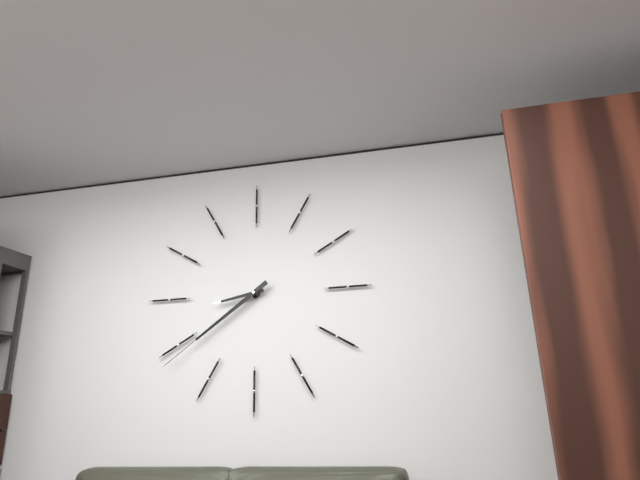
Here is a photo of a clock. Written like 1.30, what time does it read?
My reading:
8.39
